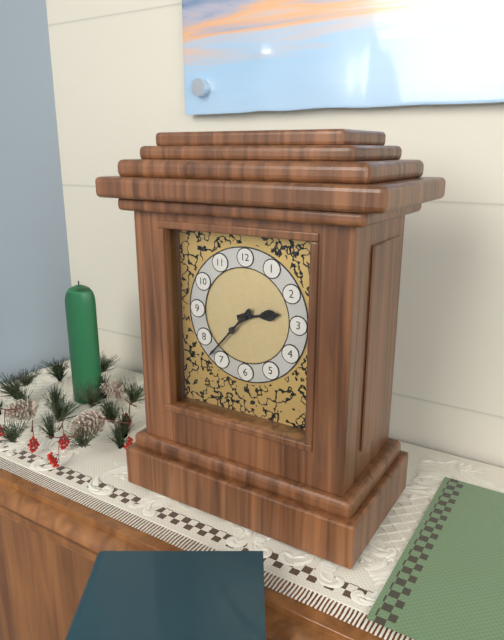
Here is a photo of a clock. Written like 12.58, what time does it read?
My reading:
2.37
